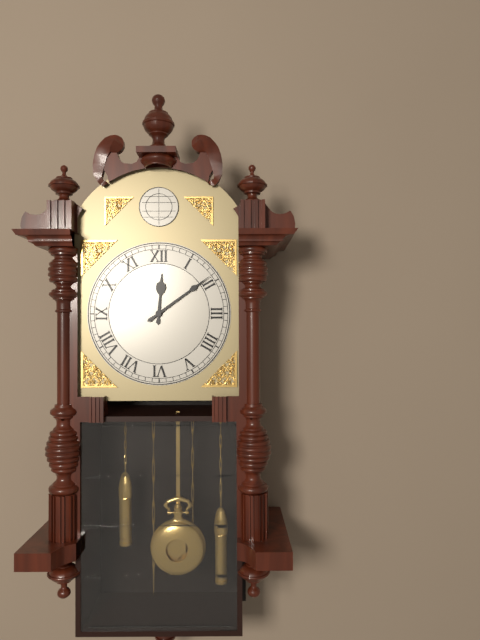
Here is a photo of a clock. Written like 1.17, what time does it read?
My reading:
12.09
